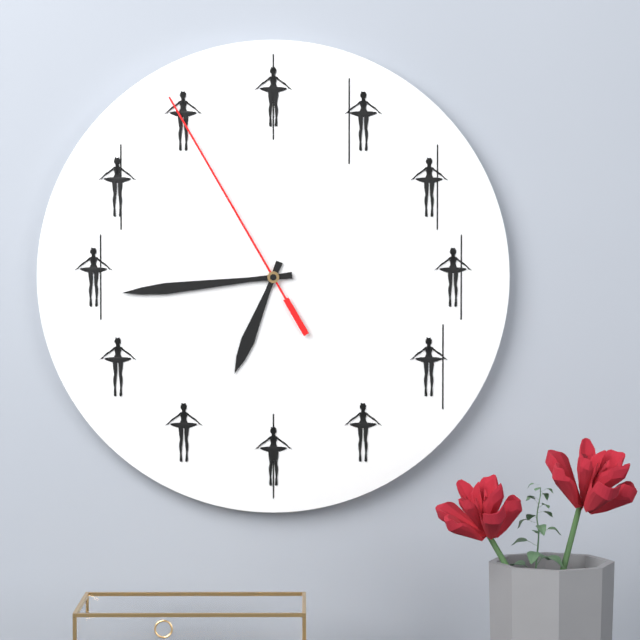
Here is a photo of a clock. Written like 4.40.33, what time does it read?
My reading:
6.44.55
